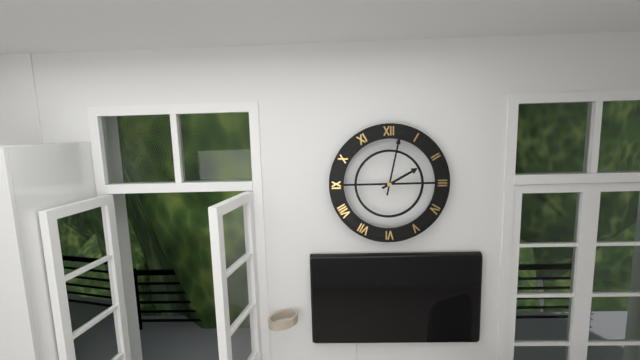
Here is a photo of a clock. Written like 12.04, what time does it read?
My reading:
2.02
